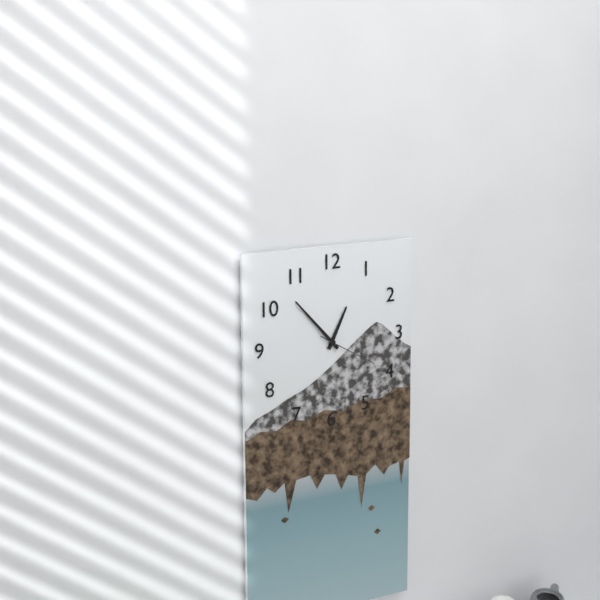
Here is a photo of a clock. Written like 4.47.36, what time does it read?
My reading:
12.53.20
